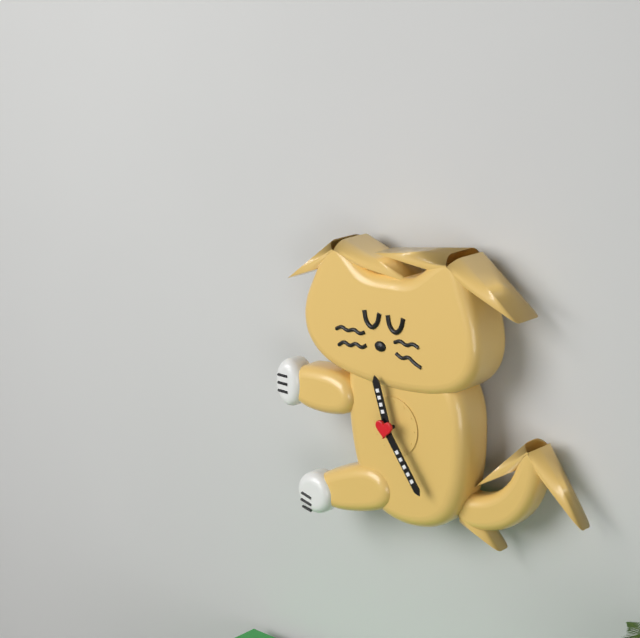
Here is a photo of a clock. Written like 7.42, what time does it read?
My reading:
11.24
